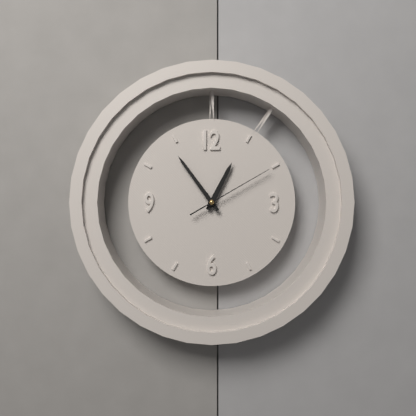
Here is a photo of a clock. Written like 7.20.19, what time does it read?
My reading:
12.54.10
